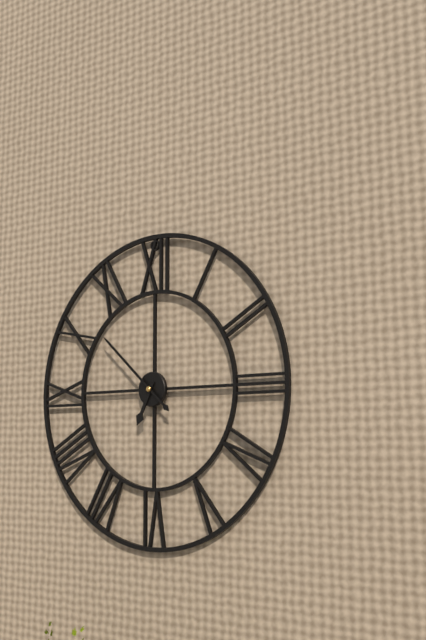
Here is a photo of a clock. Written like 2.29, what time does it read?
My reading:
6.52
